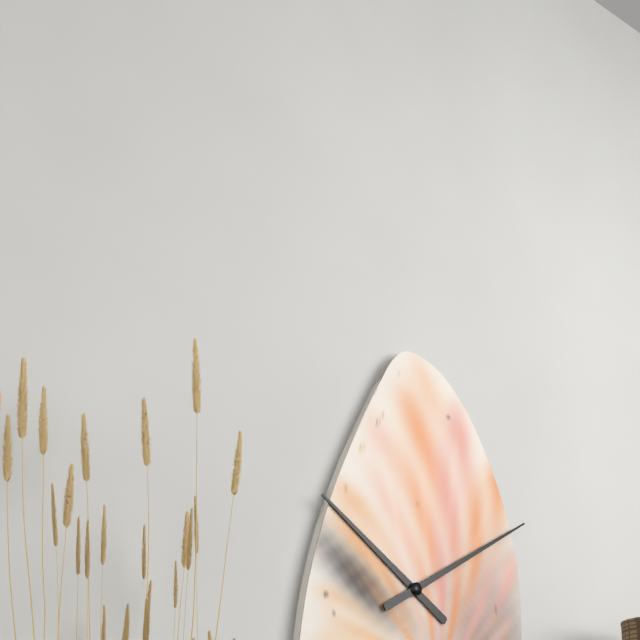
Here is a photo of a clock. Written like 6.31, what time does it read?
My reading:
10.10
